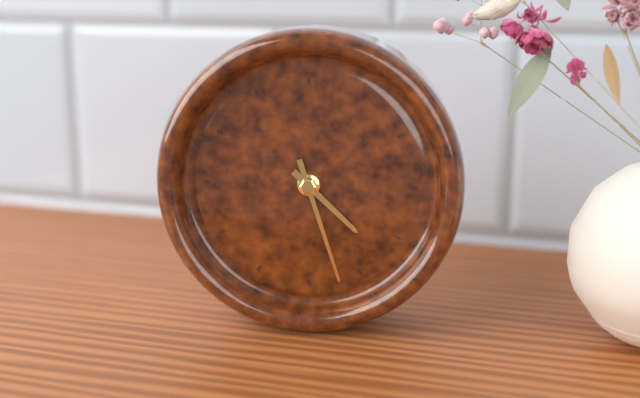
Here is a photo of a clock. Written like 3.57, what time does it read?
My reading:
4.27
